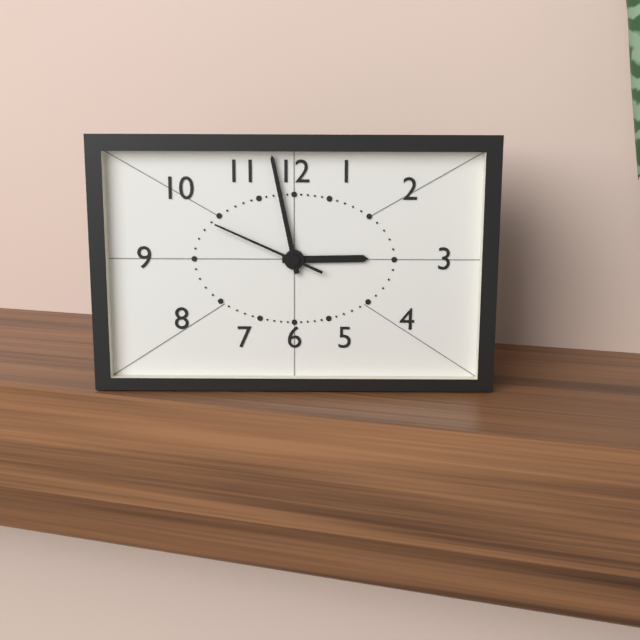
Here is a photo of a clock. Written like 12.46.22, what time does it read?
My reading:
2.58.49
